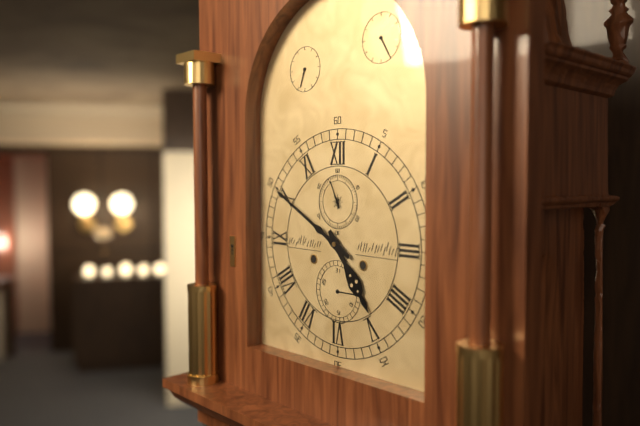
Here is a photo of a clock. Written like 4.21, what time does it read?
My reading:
4.50
